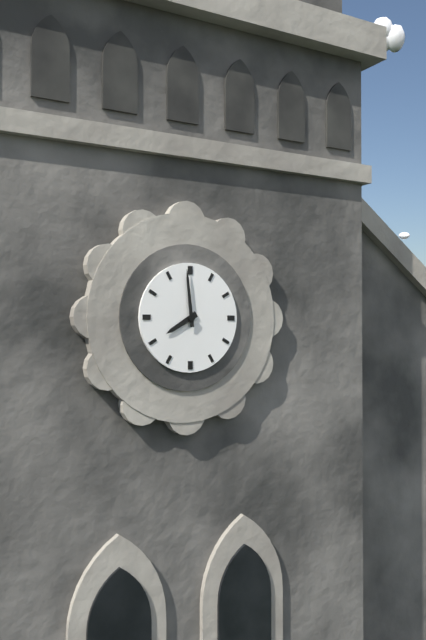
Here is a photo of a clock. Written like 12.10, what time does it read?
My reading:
7.59
